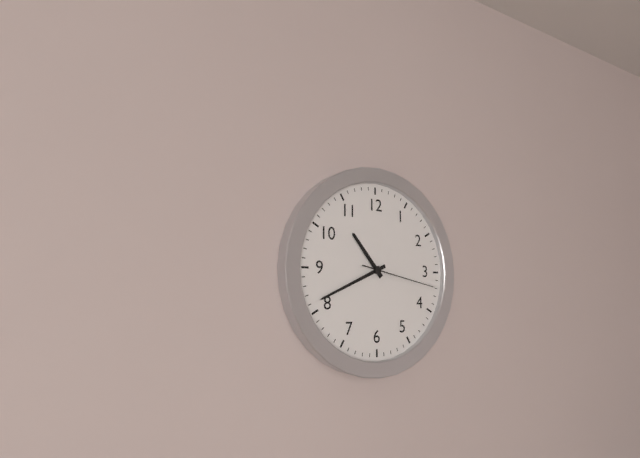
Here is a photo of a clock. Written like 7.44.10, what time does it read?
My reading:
10.41.17
